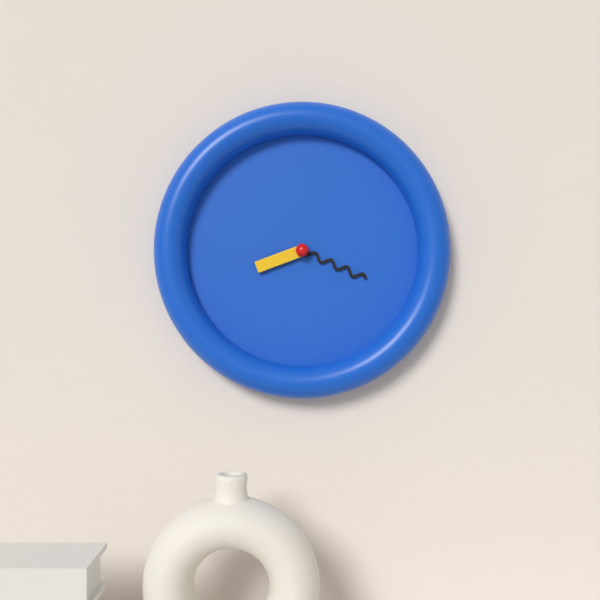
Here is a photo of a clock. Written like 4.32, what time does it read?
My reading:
8.19
